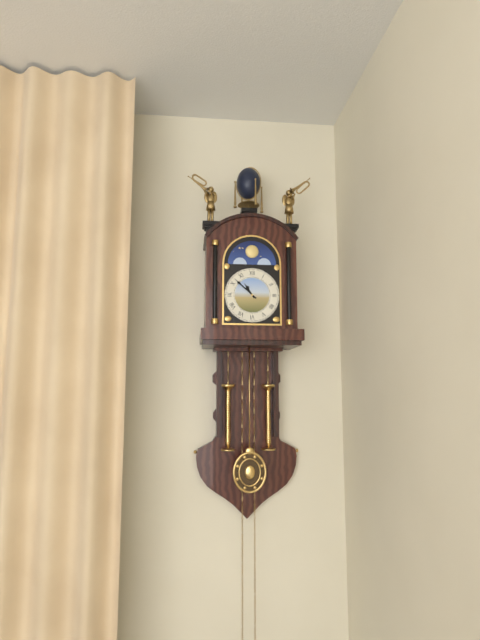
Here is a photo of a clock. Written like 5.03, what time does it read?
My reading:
10.52
